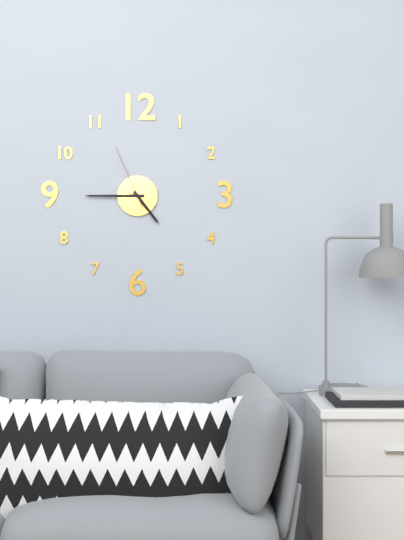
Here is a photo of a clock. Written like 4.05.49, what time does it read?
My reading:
4.45.56
